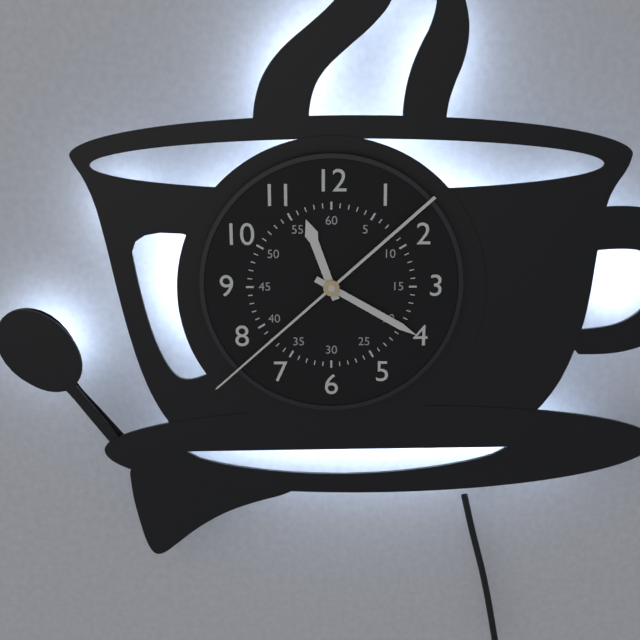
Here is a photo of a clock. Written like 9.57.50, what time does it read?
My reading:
11.20.38
